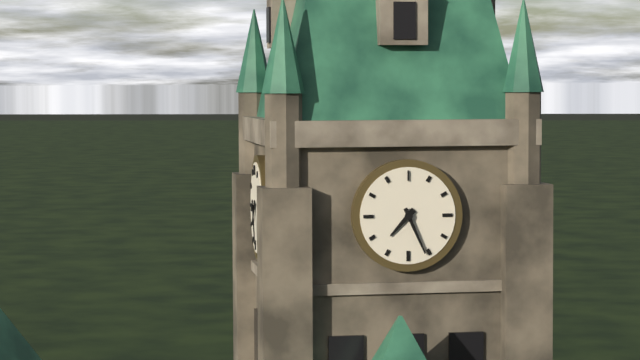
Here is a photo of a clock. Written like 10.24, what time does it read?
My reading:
7.26
